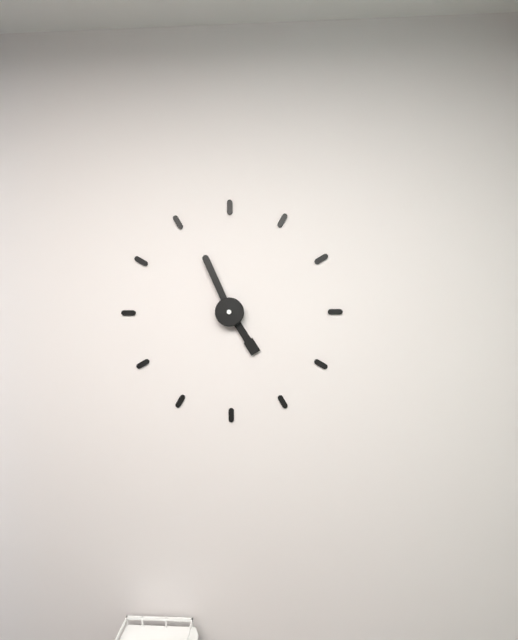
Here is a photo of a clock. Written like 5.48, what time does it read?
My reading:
4.56
